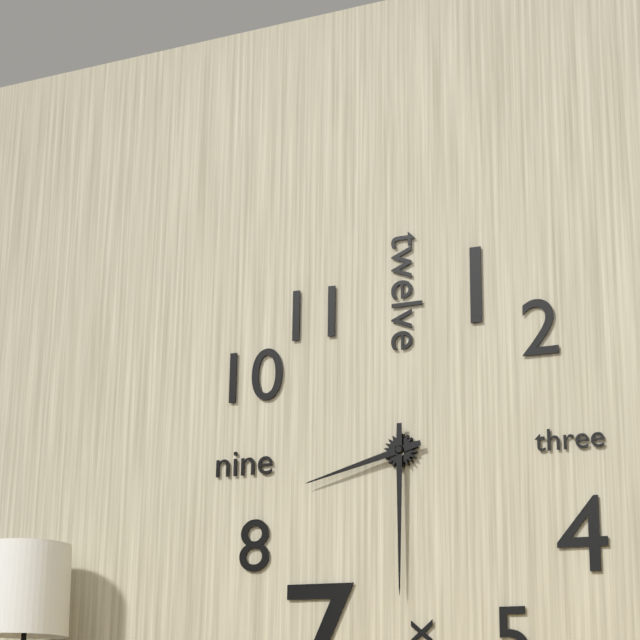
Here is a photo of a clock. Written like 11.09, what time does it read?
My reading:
8.30
